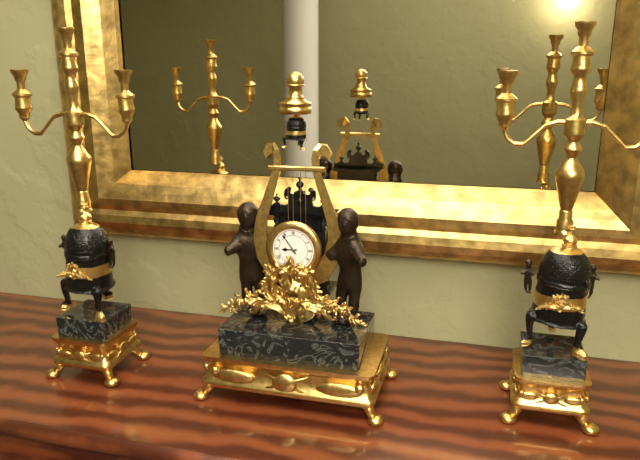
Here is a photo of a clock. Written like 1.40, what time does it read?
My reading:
8.54
